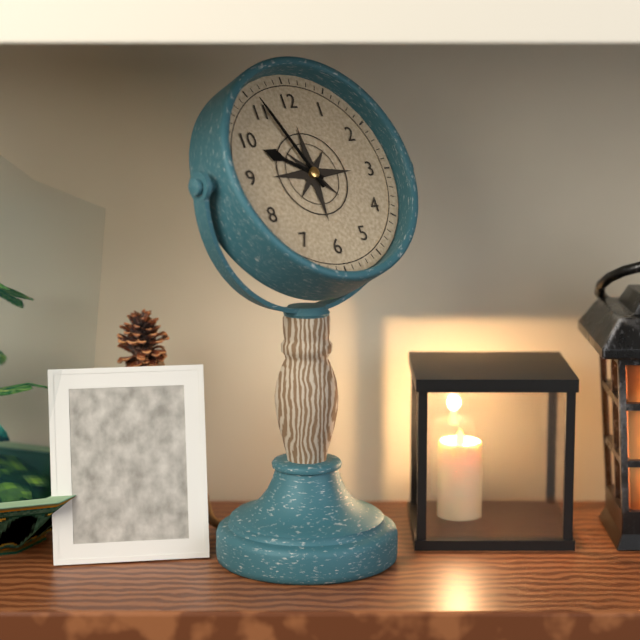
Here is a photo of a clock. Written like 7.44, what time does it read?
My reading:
9.56
